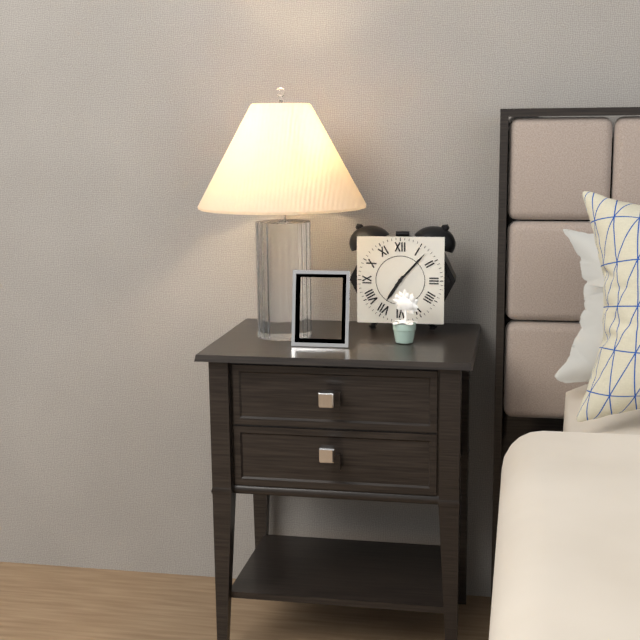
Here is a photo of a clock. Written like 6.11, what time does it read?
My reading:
7.07
